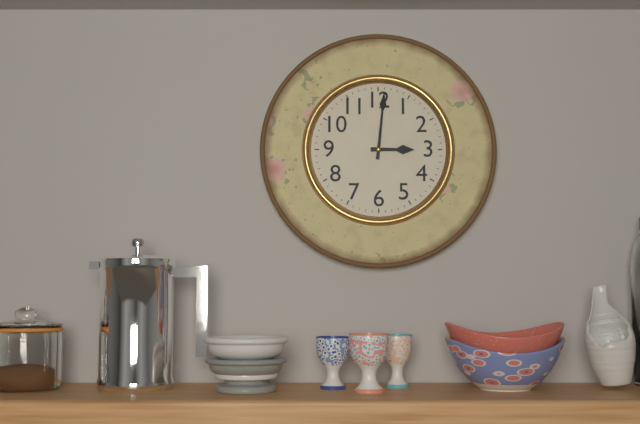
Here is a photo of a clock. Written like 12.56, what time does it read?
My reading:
3.01
